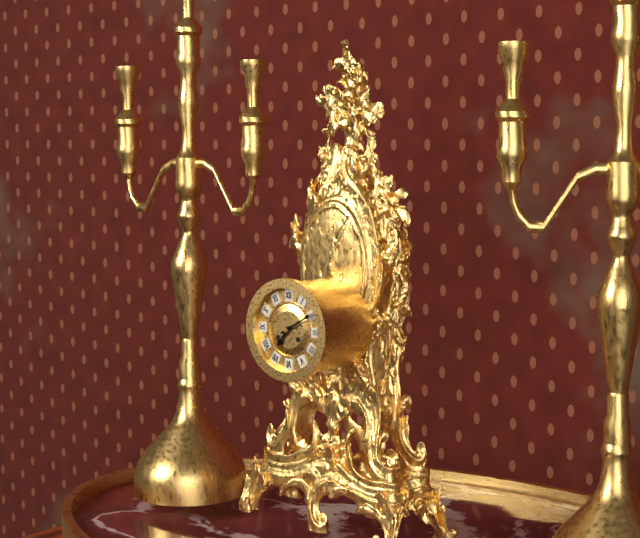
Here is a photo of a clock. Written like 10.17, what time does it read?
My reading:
7.10
